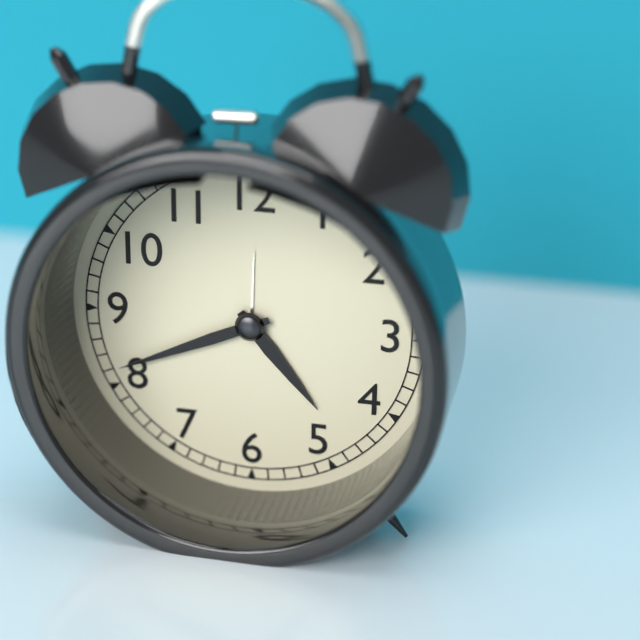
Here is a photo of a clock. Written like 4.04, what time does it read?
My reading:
4.41
